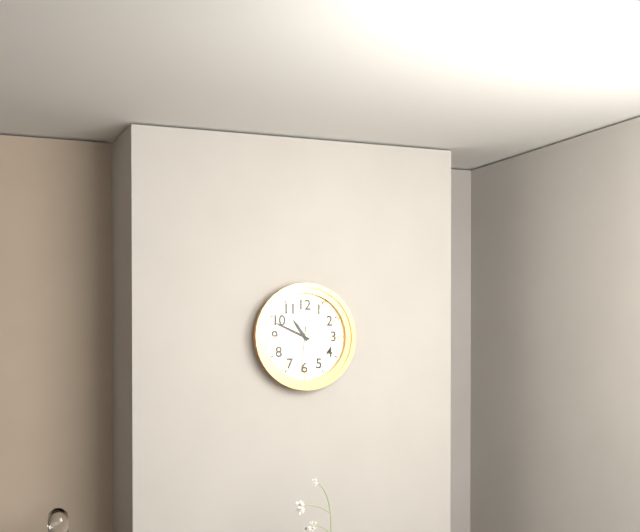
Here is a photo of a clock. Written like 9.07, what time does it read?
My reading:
10.49
